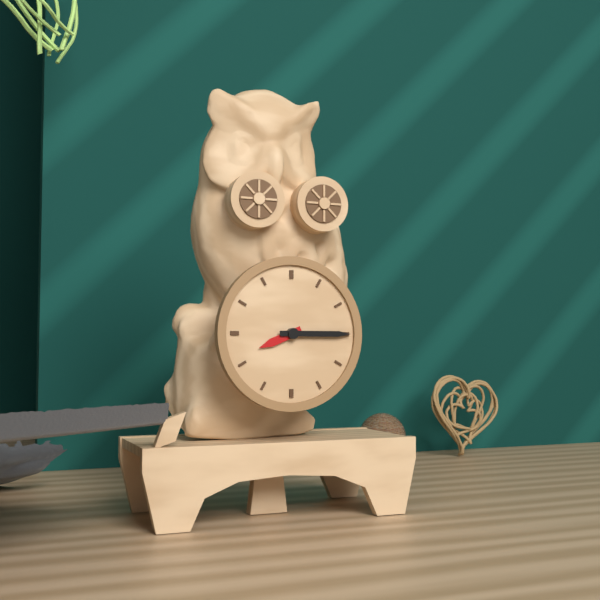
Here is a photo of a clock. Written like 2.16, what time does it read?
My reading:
8.15
